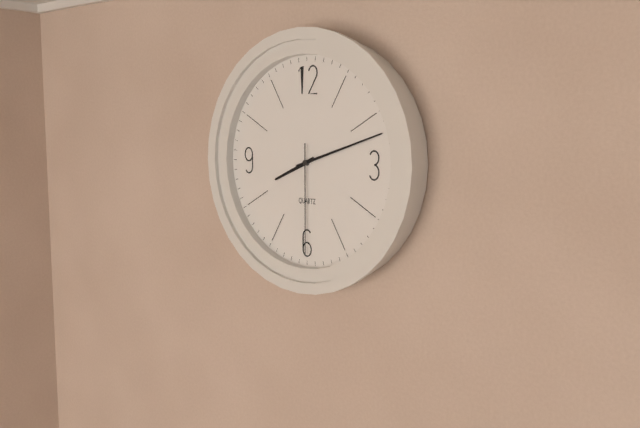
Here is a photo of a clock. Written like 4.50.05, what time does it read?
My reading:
8.12.30
